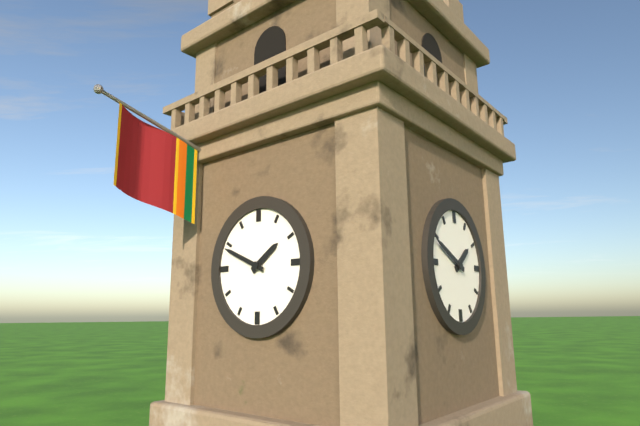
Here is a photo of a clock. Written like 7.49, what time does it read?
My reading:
1.49
